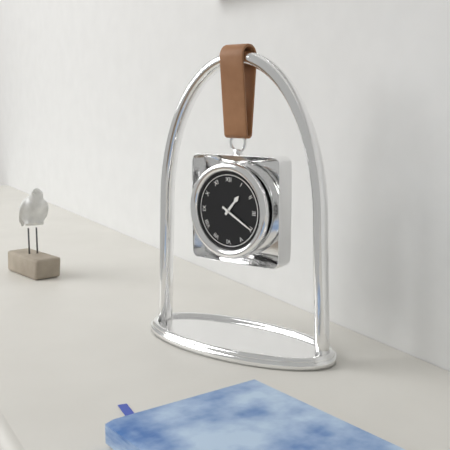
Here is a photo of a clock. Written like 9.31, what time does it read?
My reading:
1.20
